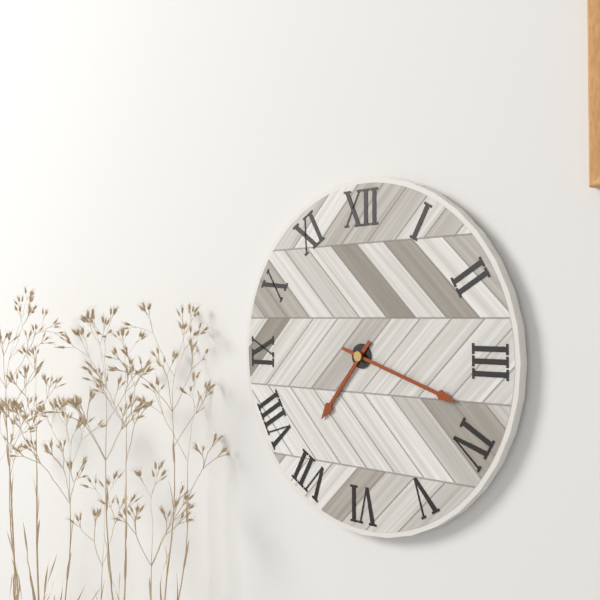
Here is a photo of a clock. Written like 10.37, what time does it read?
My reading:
7.18
